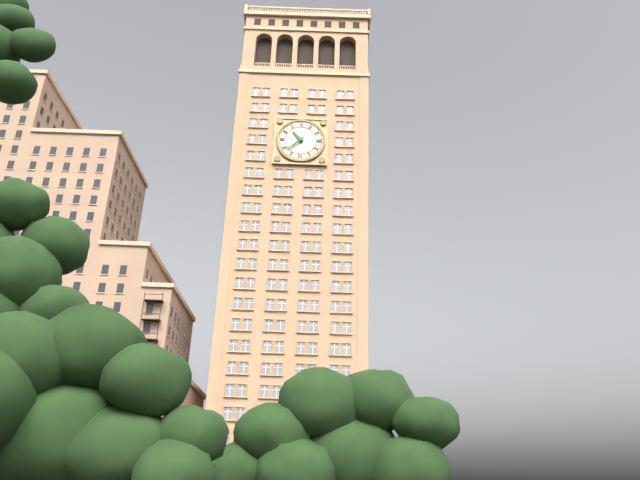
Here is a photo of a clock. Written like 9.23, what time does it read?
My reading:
10.38
